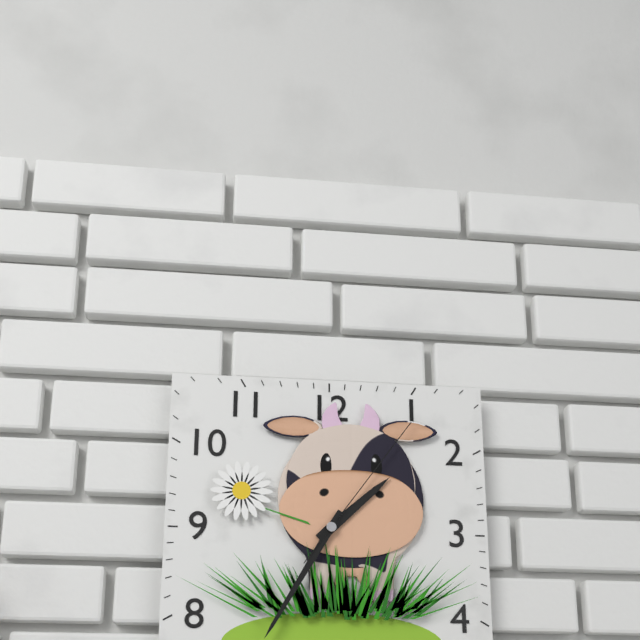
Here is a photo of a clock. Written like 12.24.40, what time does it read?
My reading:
1.35.06
